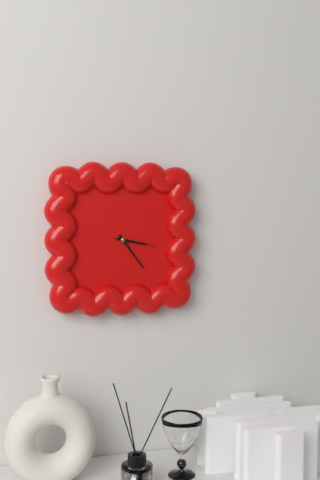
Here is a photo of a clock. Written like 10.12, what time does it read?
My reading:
3.24
